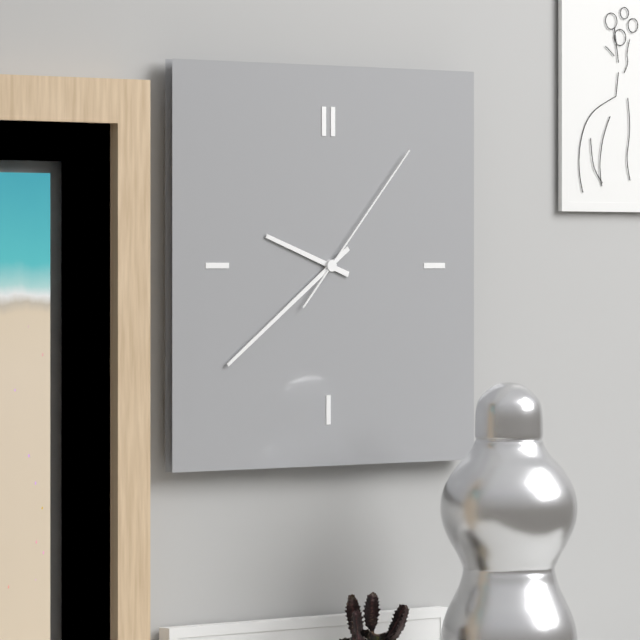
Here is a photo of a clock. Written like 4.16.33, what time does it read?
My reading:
9.39.07
